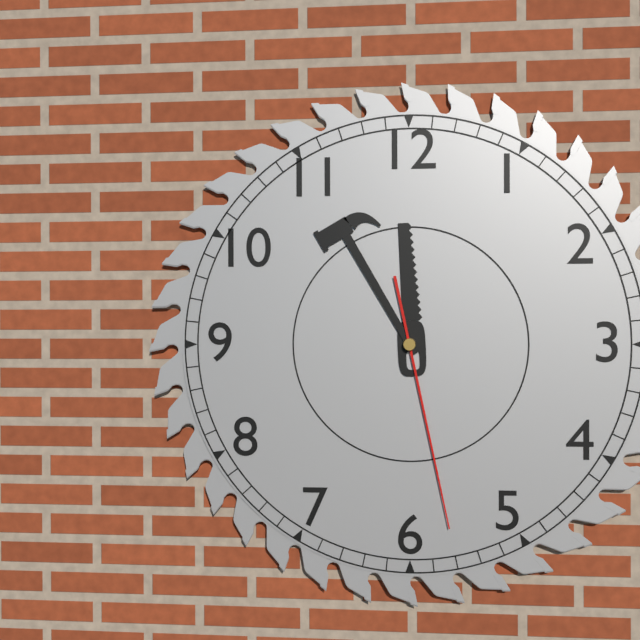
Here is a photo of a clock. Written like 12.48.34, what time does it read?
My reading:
11.55.28
